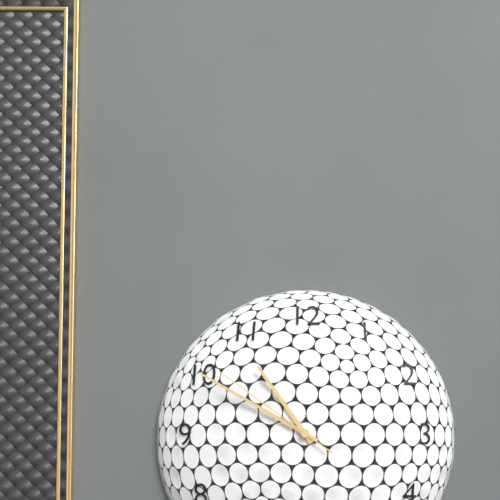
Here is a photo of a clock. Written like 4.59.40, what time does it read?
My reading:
10.50.51
